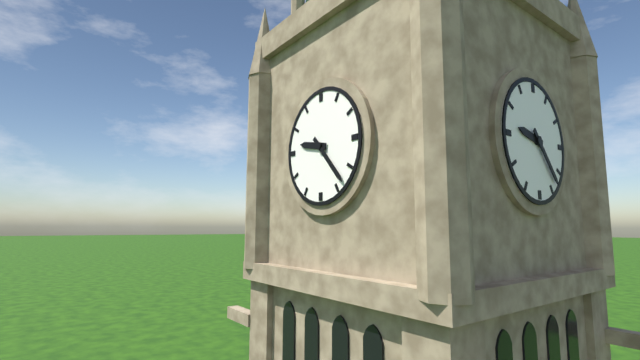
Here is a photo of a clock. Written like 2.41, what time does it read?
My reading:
9.23
